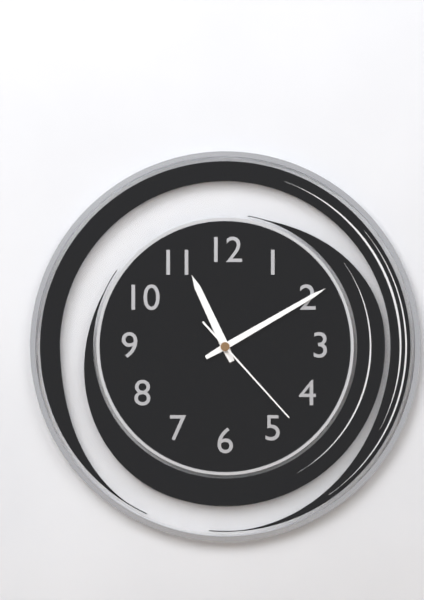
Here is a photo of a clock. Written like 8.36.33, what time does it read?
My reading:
11.10.23
